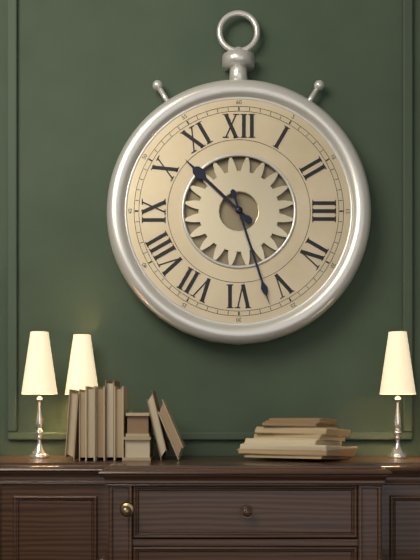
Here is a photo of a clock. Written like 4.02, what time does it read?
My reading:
10.27
